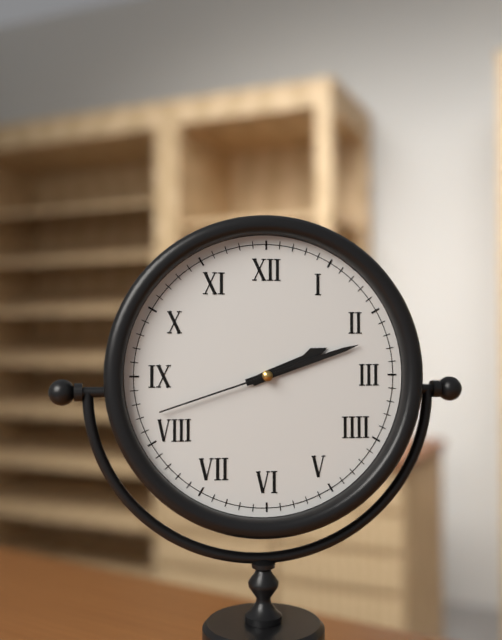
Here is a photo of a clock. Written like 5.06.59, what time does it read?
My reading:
2.12.42
